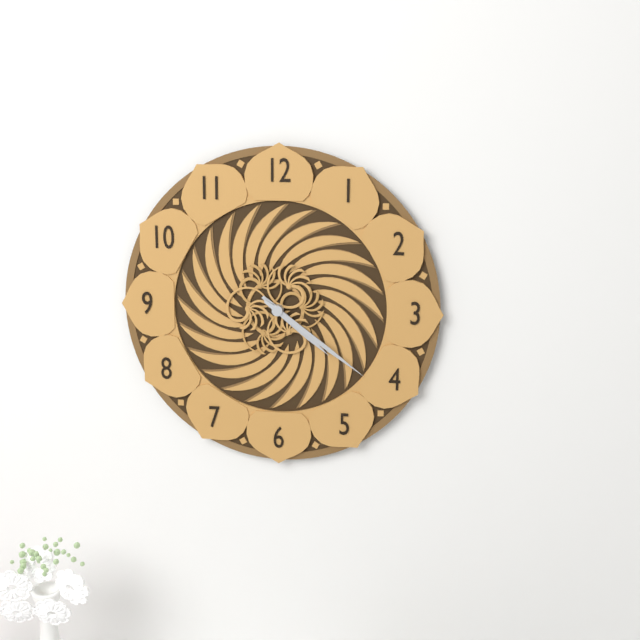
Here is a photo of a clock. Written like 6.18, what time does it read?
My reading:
4.21
